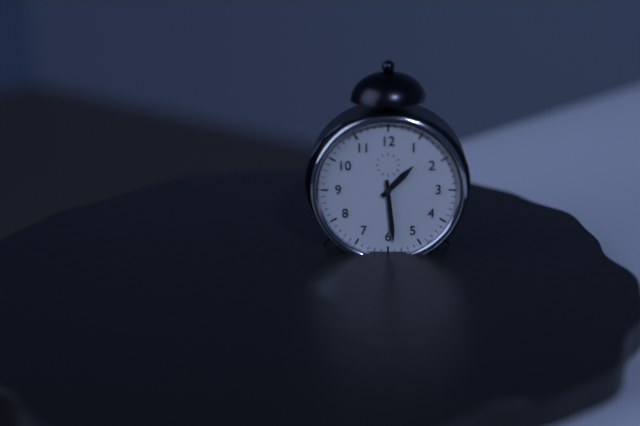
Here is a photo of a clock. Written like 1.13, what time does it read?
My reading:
1.29
